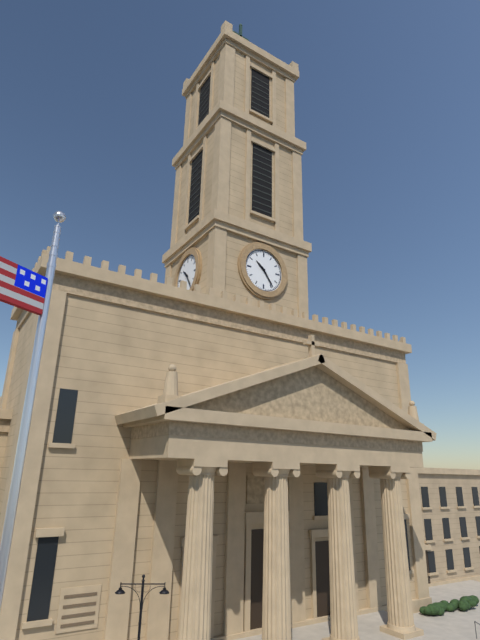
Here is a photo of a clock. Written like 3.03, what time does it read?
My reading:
10.24
